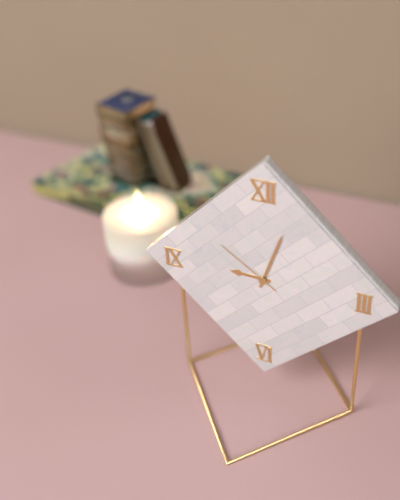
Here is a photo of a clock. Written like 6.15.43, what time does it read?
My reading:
9.03.51
